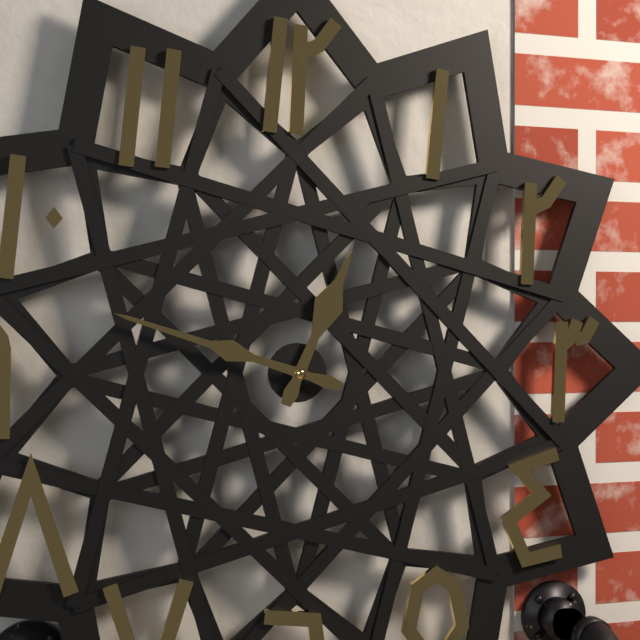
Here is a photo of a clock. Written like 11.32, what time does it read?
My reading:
12.48
